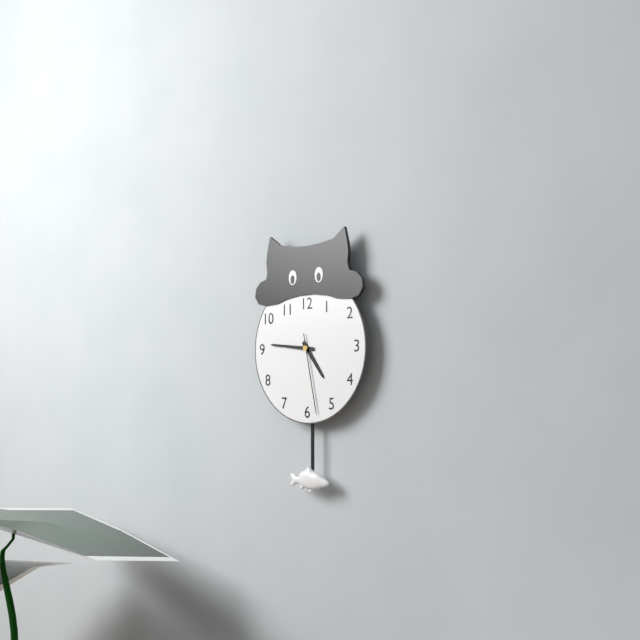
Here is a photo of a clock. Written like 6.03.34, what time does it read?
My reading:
4.46.28
